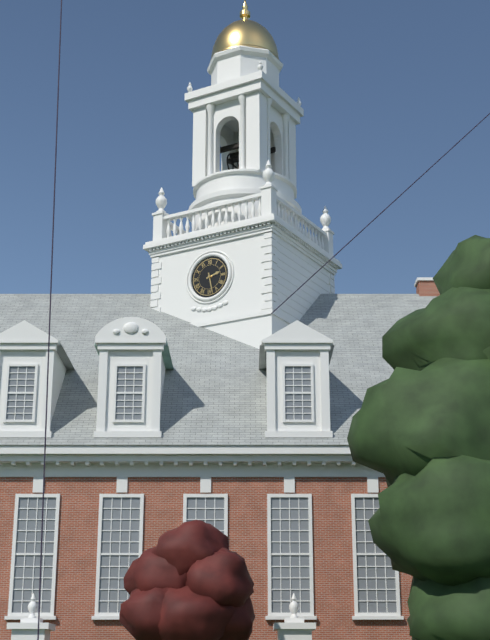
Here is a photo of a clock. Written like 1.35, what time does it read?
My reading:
2.28
